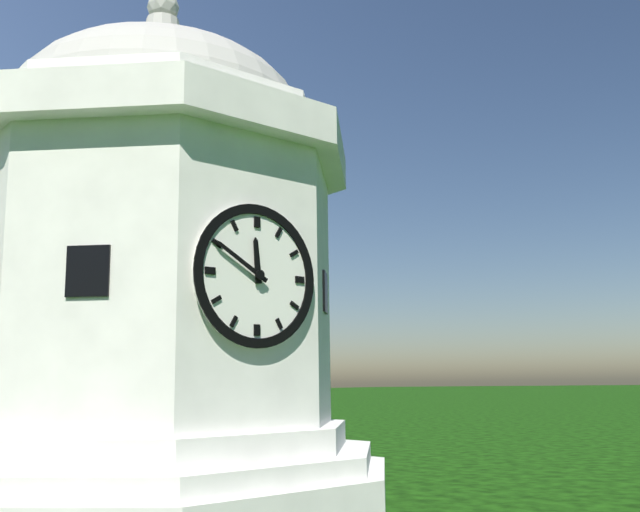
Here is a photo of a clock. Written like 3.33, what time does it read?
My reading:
11.50
